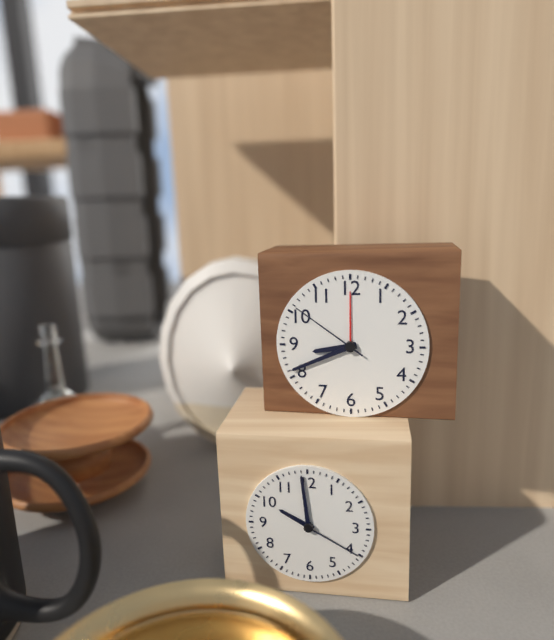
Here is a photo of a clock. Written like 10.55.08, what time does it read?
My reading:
8.41.51
